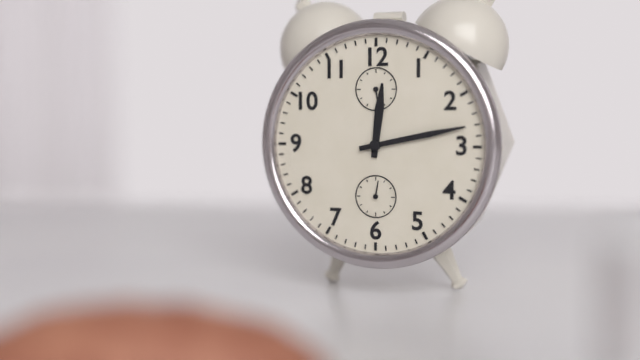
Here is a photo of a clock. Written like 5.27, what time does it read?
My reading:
12.13
